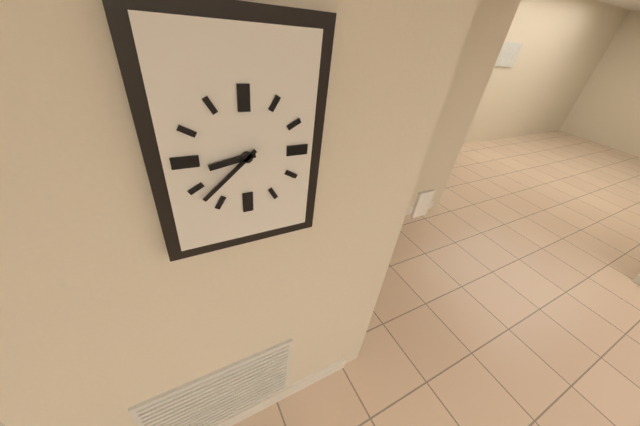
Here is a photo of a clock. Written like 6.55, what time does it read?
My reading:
8.38
